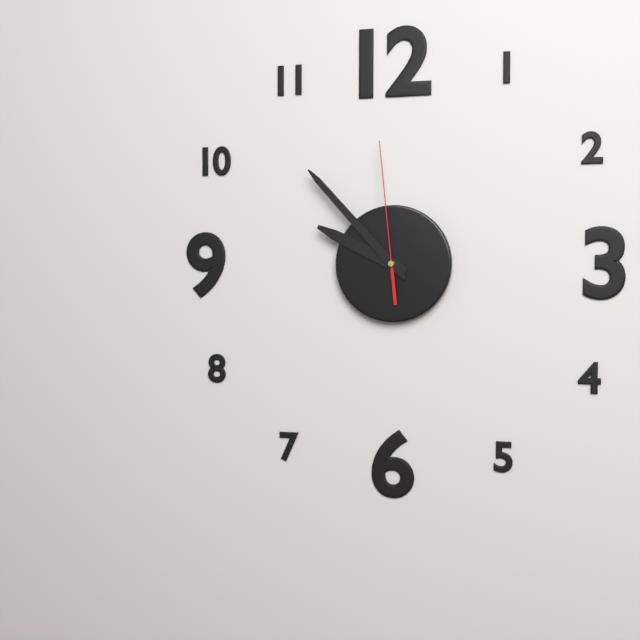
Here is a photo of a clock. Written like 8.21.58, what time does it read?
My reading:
9.53.59
